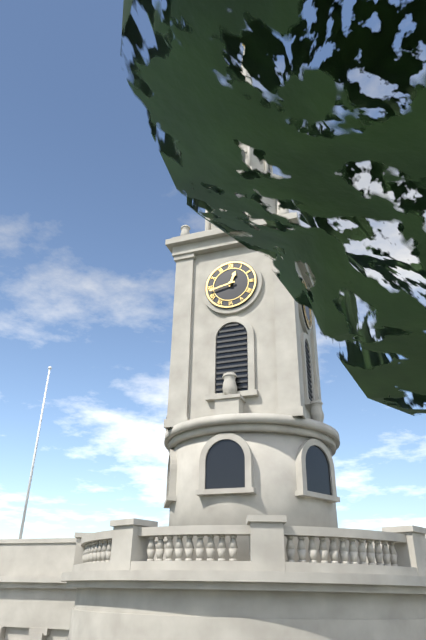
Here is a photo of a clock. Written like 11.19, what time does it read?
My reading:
12.43
